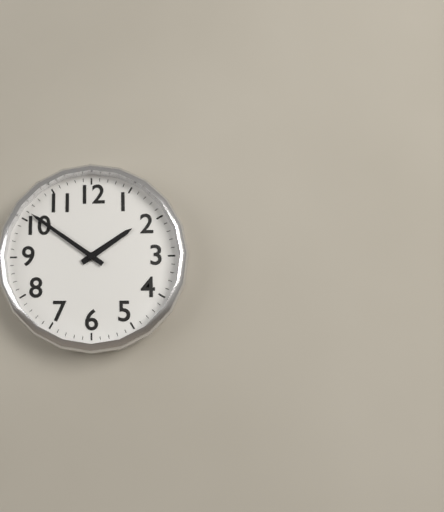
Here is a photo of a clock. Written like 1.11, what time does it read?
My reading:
1.51
